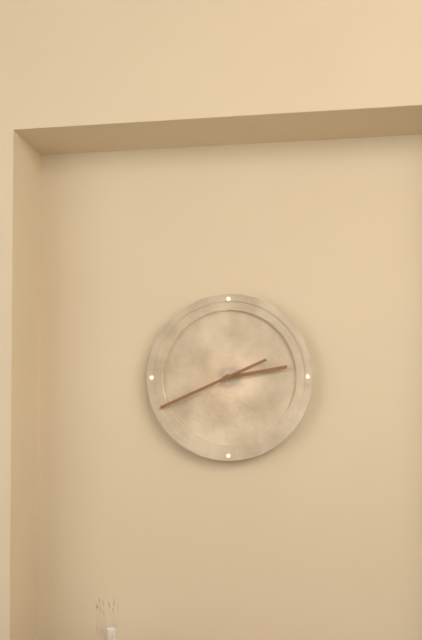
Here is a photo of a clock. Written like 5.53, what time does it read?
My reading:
2.41
